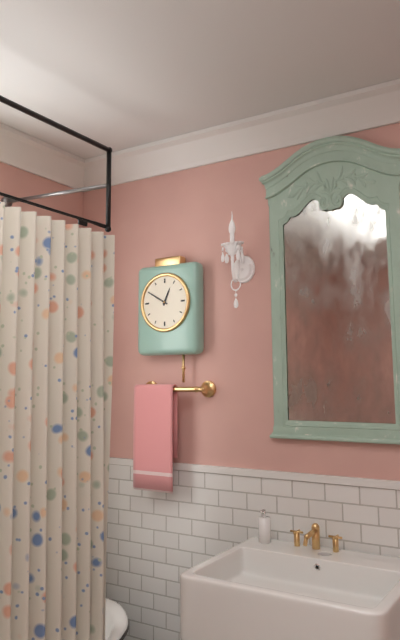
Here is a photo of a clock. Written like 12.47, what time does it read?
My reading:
12.50
